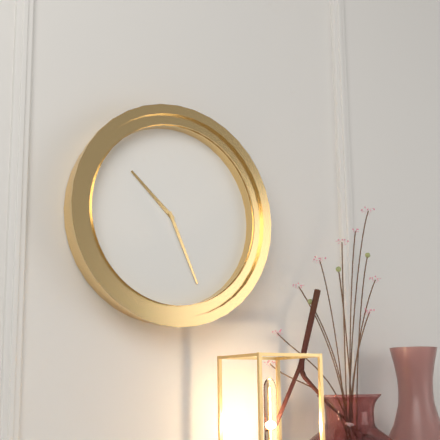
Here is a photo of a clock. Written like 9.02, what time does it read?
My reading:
10.26
